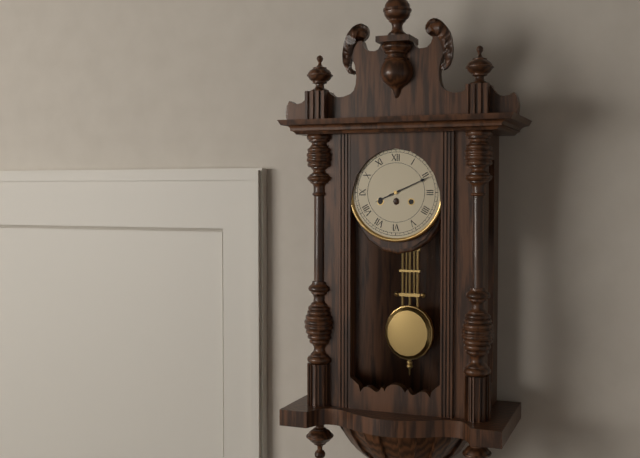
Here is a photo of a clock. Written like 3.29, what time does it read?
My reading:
8.11
